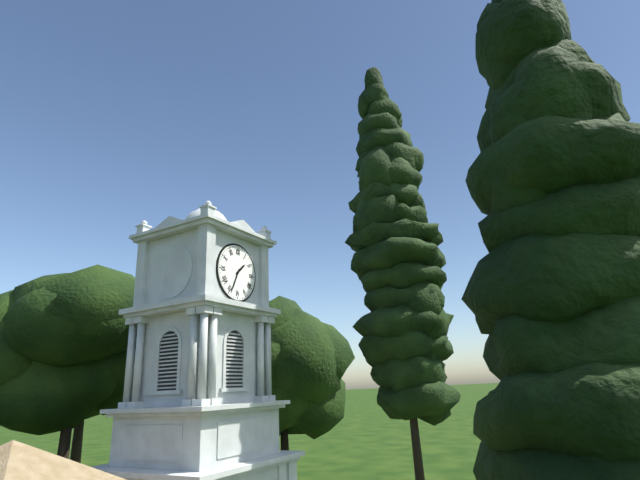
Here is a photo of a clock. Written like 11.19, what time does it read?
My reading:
1.34
